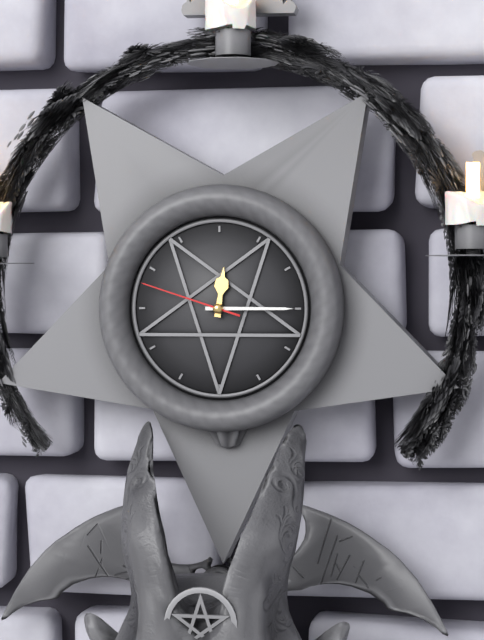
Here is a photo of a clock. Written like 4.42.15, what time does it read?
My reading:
12.15.48
